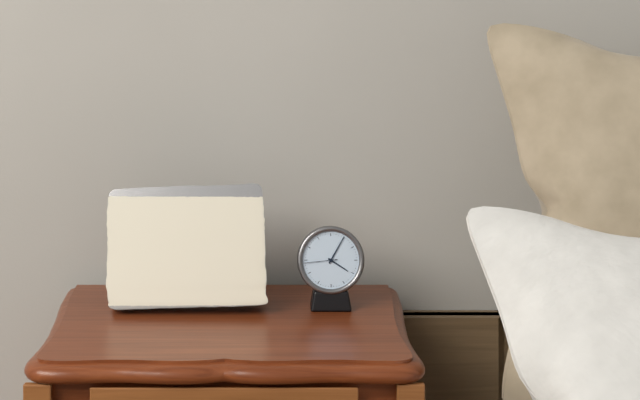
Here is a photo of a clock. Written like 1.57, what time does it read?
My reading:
4.05
